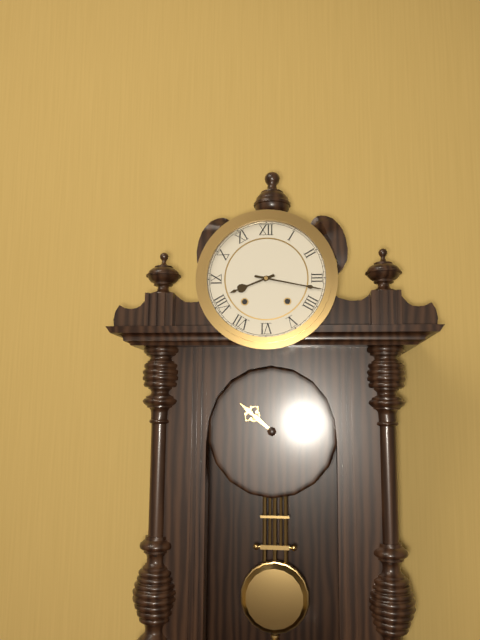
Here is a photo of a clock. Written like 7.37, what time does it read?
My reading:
8.17
